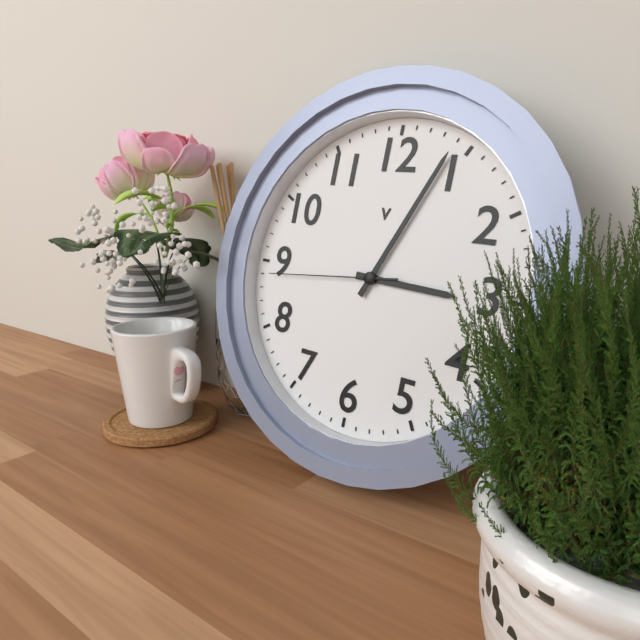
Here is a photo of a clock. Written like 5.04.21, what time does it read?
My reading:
3.04.44
